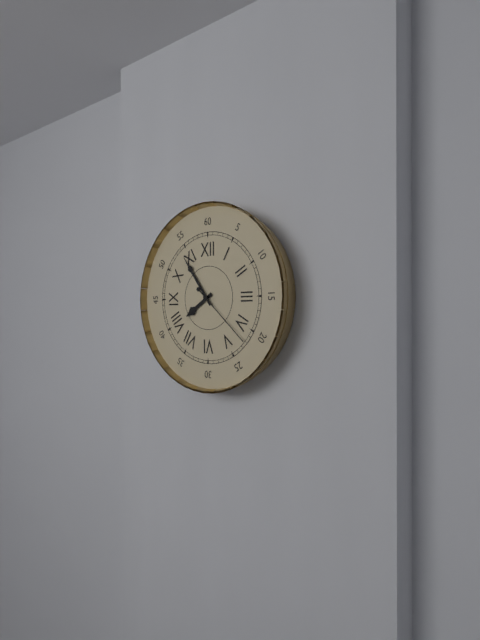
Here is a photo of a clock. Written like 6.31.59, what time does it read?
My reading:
7.54.22
